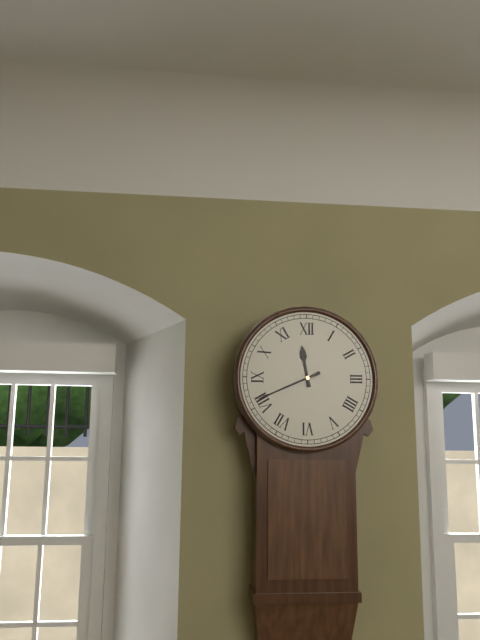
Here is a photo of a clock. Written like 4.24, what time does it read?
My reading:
11.41
